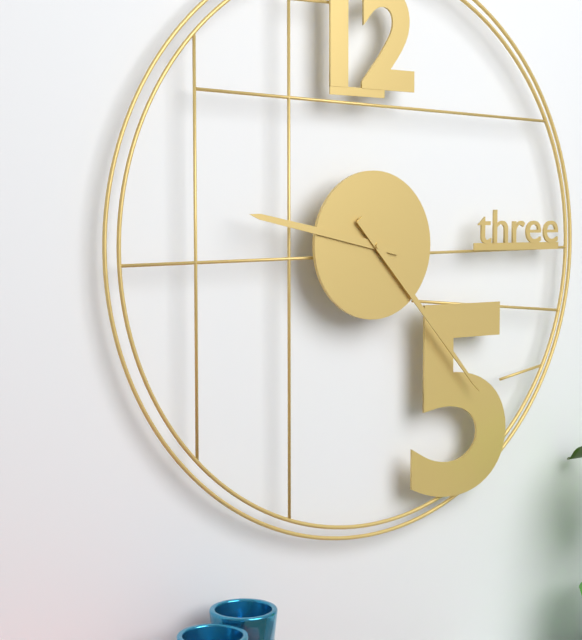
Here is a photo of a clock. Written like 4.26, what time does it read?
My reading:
9.23
